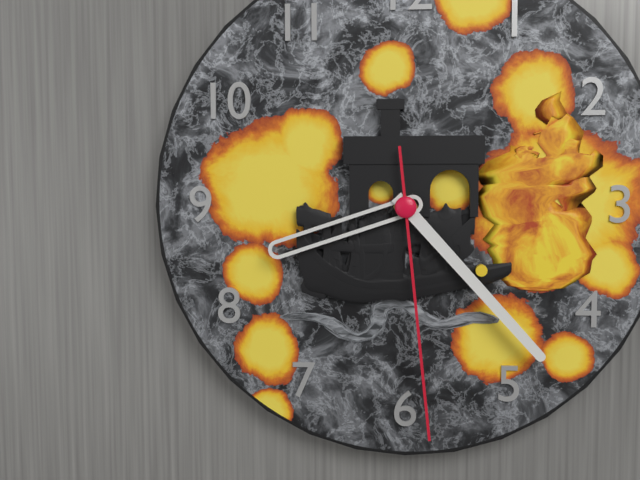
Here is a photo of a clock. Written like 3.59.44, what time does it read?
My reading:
8.23.29
